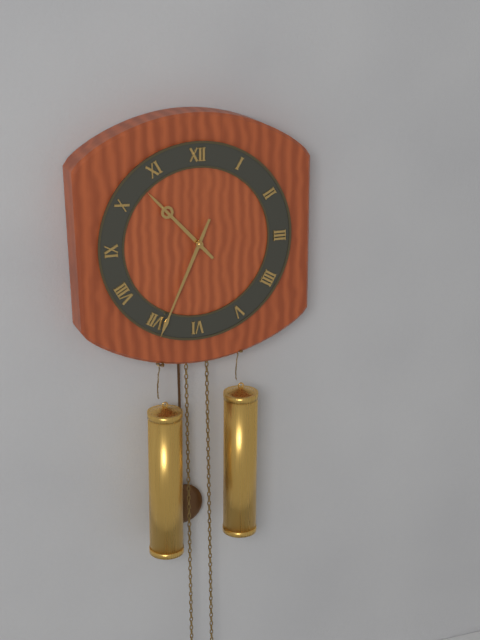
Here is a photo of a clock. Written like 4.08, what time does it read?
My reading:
10.34
